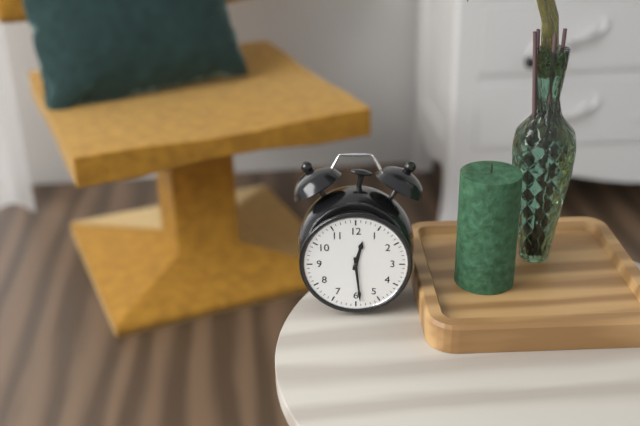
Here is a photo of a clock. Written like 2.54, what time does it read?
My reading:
12.29
